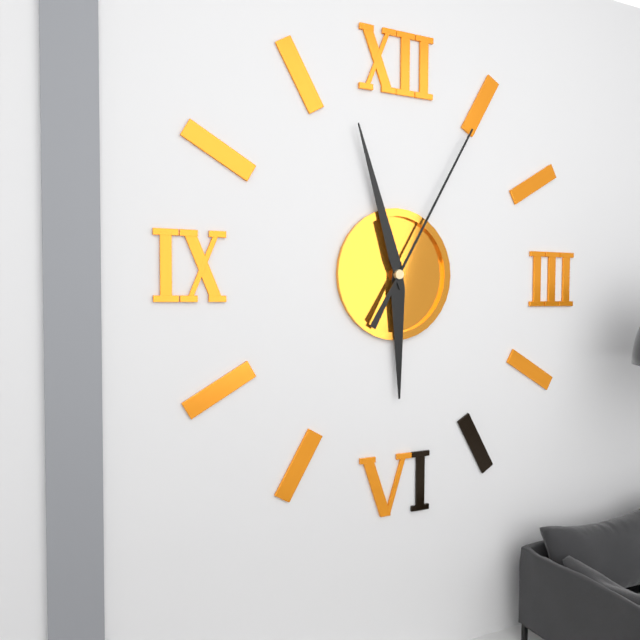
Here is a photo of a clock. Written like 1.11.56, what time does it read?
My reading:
5.57.05
